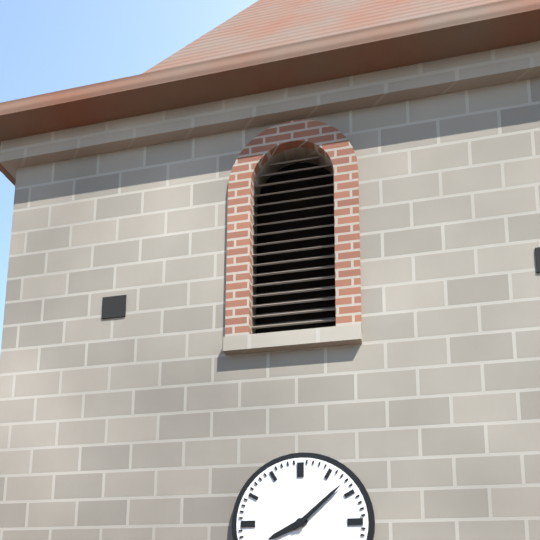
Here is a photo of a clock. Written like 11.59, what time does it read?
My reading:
8.08
